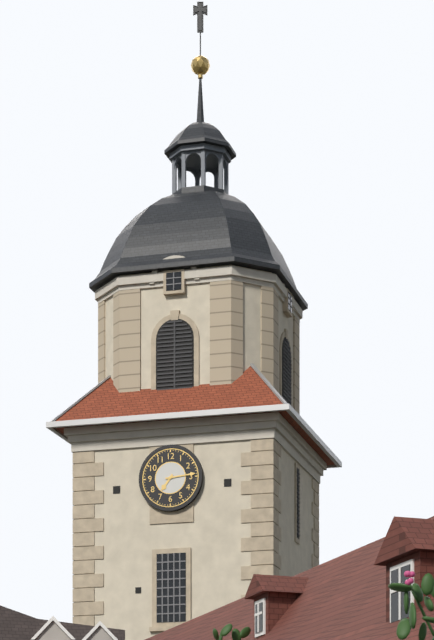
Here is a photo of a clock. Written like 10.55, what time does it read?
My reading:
7.14
